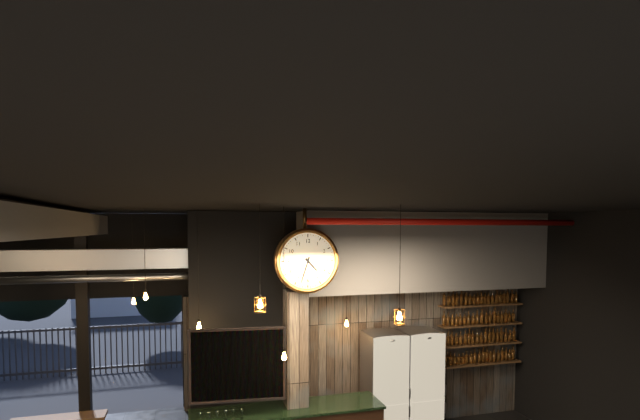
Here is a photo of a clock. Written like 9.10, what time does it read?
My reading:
4.33
